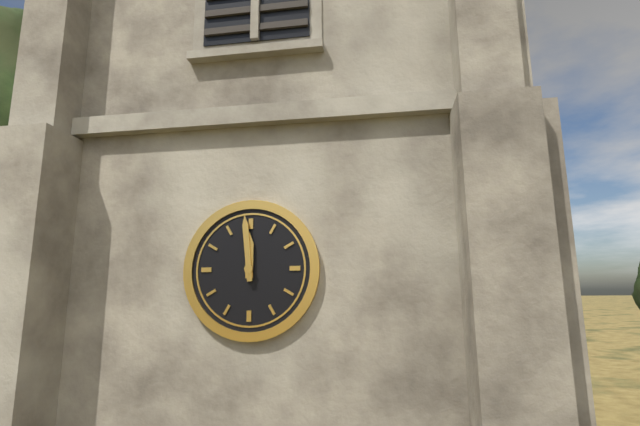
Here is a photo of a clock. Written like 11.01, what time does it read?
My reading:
11.59
